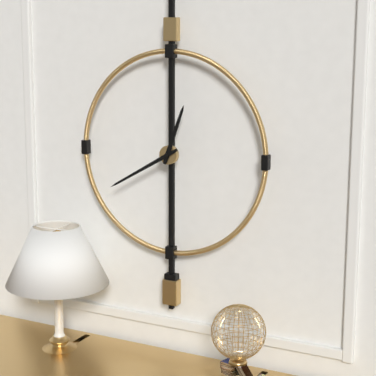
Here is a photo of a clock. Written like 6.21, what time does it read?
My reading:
12.40
